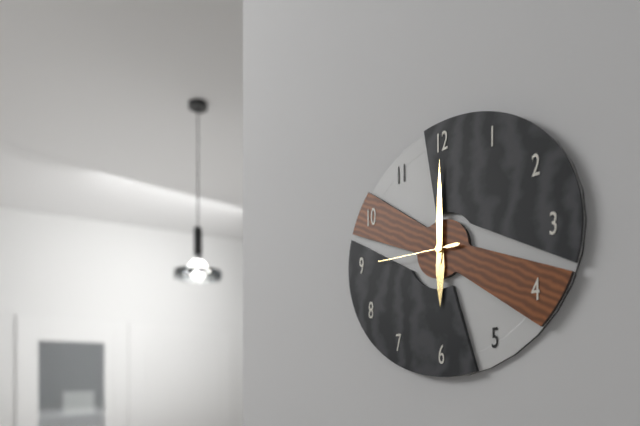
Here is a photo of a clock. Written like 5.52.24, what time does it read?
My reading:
6.00.45
